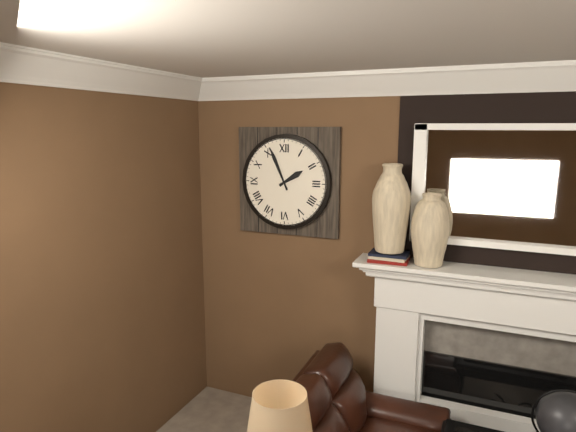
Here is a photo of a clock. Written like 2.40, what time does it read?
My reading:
1.56
